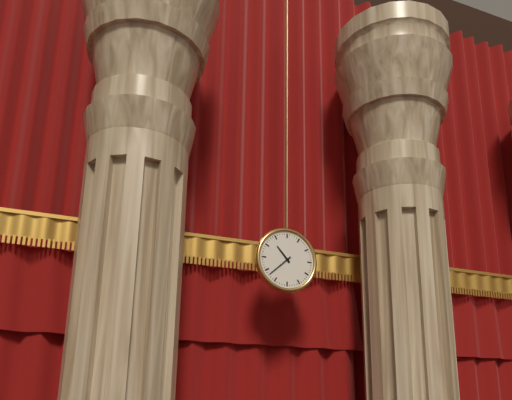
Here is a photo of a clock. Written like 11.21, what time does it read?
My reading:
10.38
